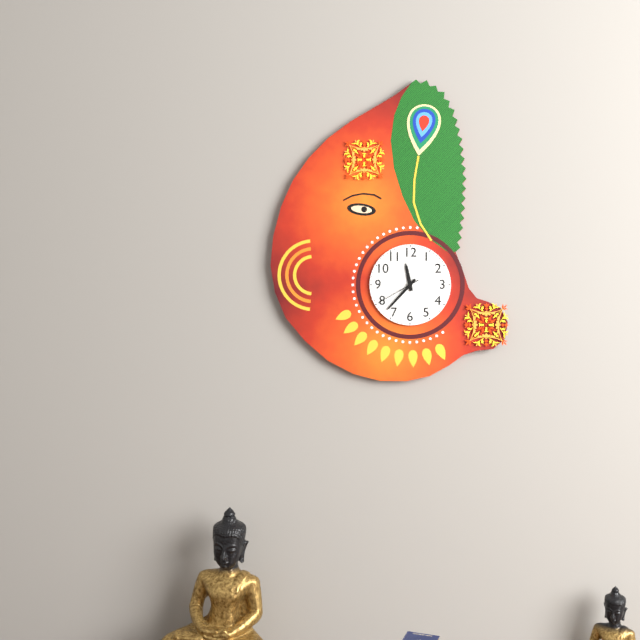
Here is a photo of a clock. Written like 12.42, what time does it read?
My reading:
11.37
